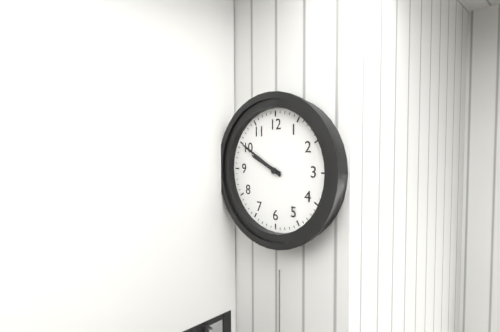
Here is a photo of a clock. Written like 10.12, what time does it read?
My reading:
9.50
